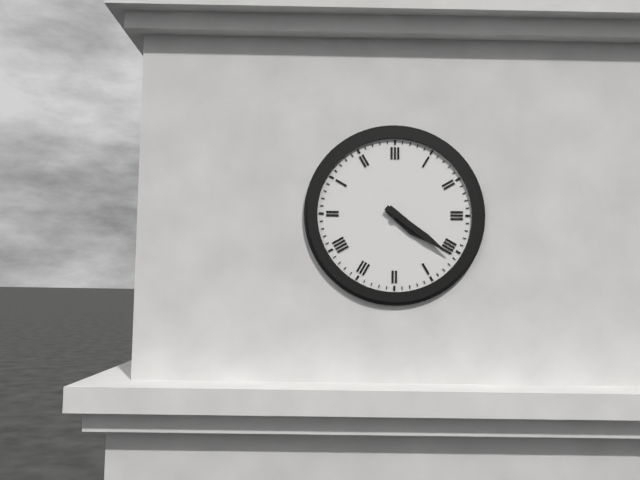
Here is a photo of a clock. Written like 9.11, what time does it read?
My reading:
4.21
